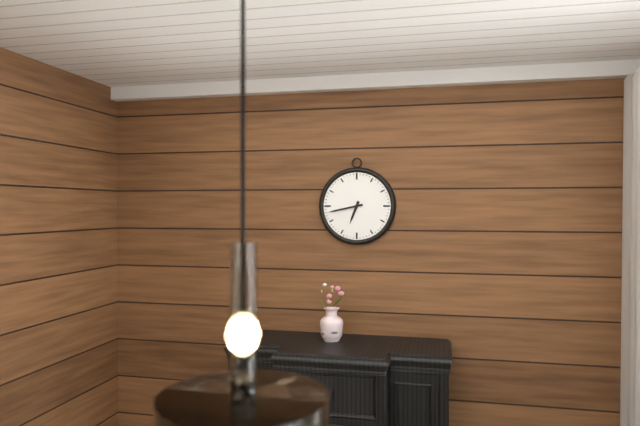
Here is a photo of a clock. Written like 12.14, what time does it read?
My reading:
6.43
